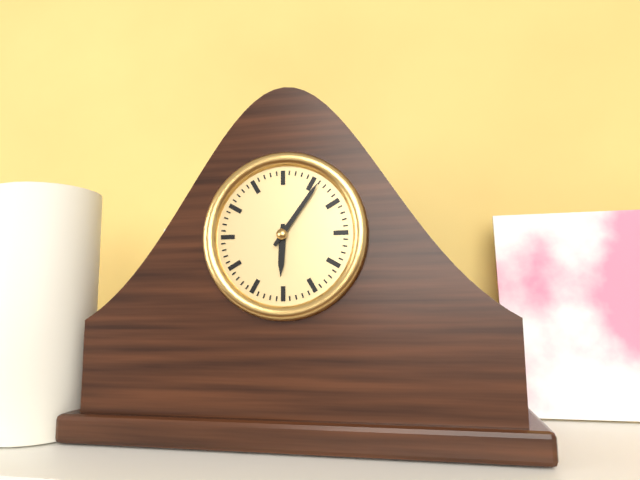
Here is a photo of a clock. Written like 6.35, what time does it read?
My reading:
6.06
